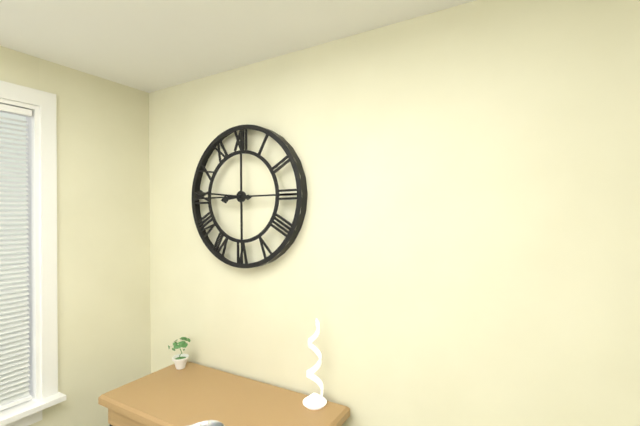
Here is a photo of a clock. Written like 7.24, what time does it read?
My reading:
8.46
